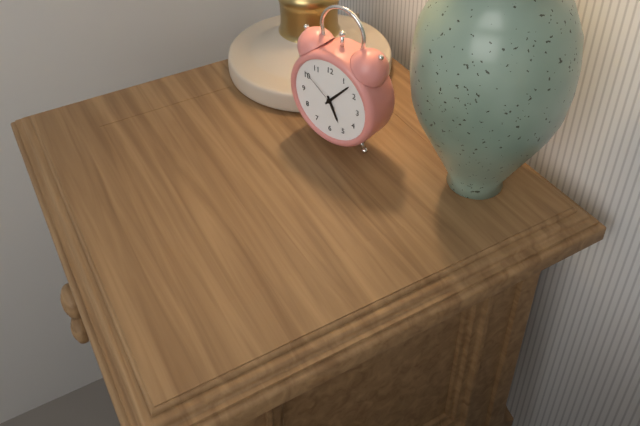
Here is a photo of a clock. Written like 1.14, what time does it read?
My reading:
5.07
